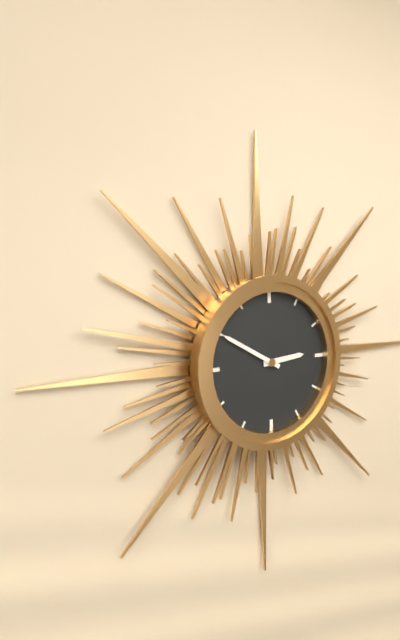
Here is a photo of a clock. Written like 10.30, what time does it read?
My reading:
2.50
